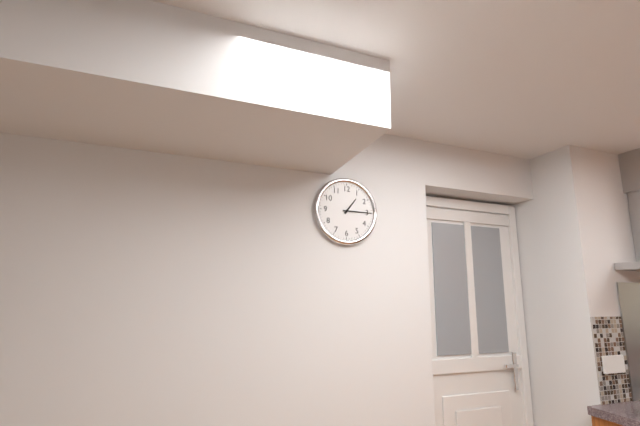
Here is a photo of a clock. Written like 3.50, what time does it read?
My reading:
1.15
